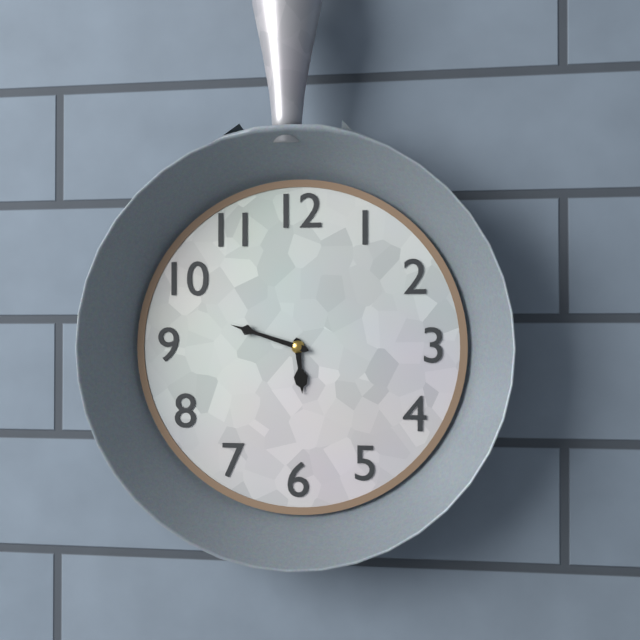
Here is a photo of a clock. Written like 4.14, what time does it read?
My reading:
5.48
